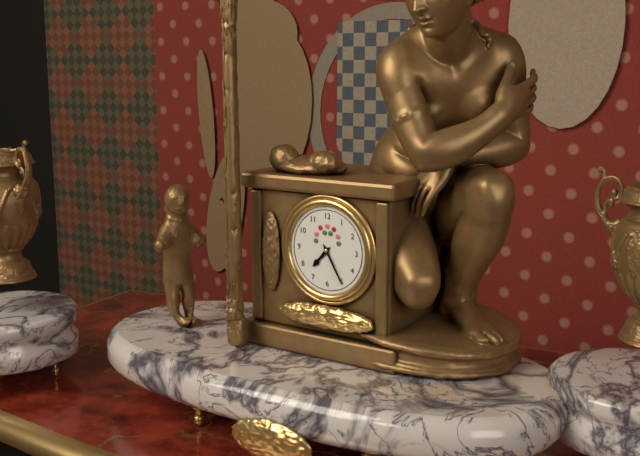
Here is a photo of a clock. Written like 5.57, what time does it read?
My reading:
7.25
